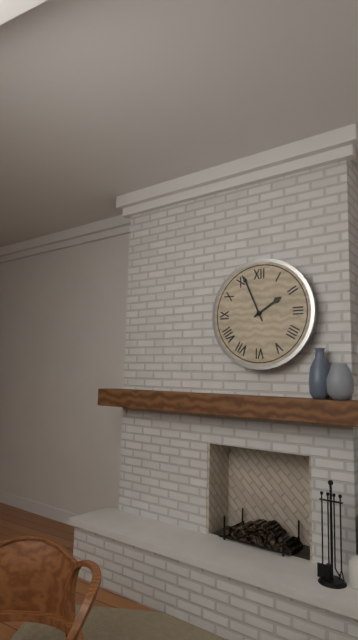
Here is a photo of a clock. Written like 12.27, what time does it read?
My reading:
1.56
